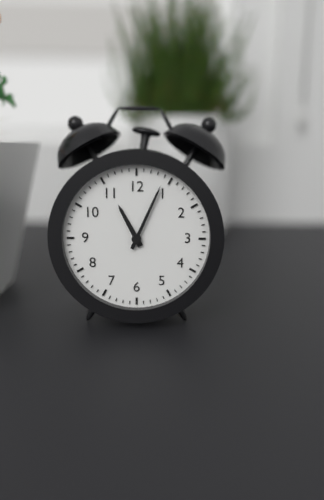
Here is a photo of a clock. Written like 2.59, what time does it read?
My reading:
11.04
